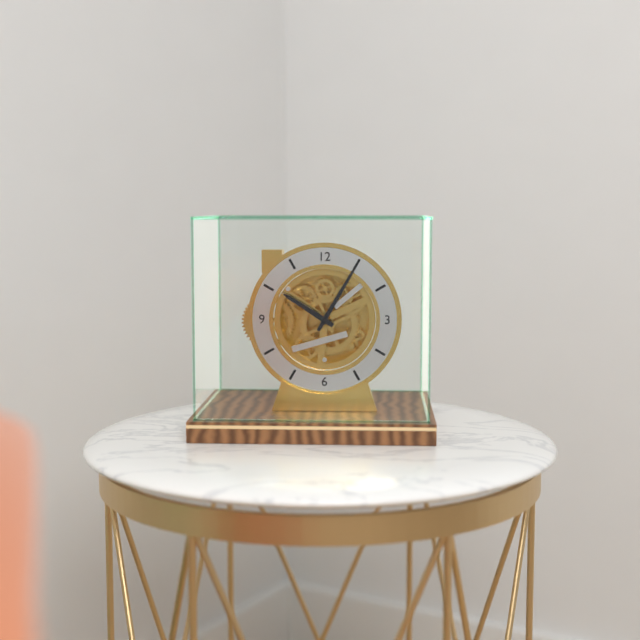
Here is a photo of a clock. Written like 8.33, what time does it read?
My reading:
10.05
